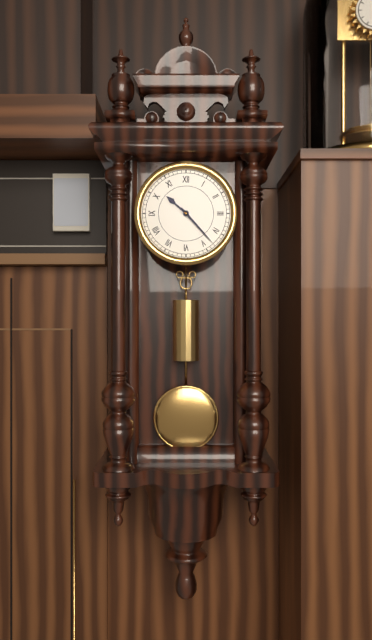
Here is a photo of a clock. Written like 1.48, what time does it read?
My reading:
10.23
